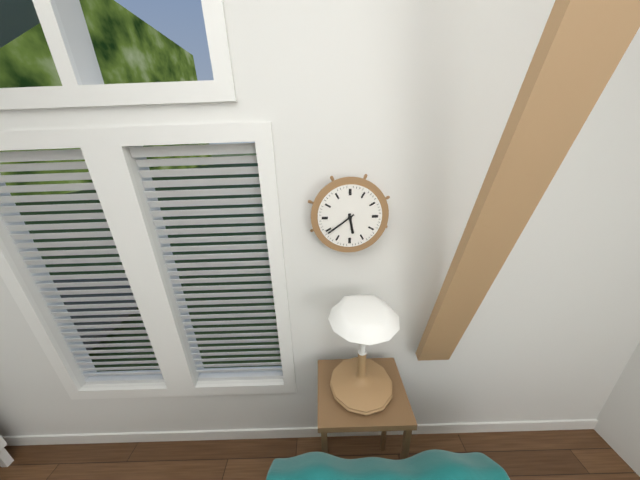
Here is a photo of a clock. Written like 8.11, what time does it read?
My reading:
5.39
